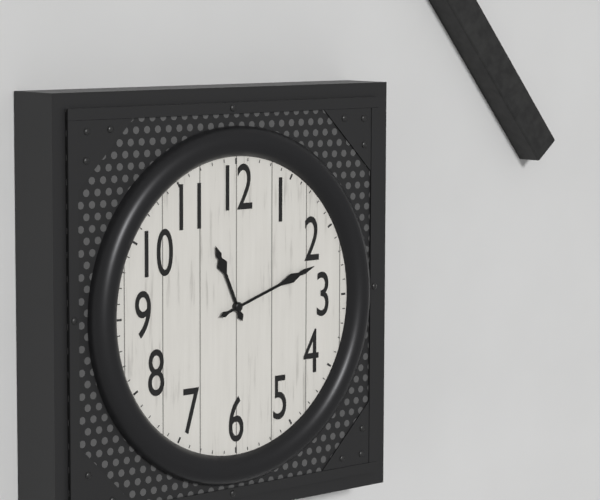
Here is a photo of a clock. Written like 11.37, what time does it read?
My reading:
11.12
